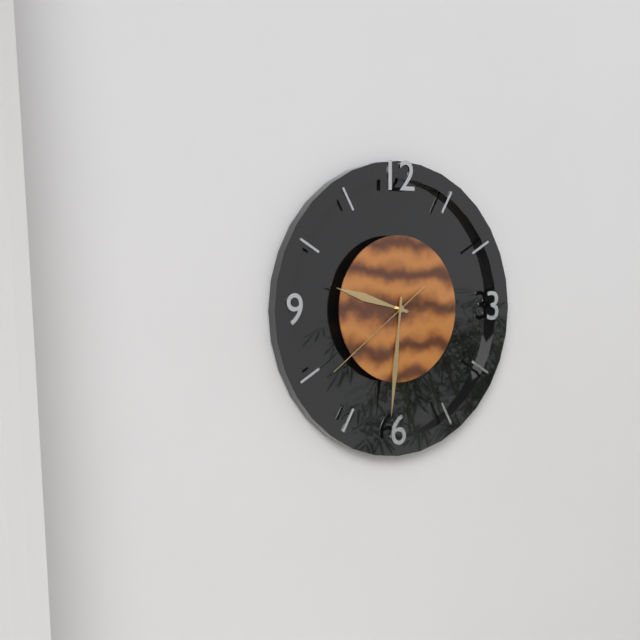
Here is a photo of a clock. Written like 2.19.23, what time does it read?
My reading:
9.31.39
